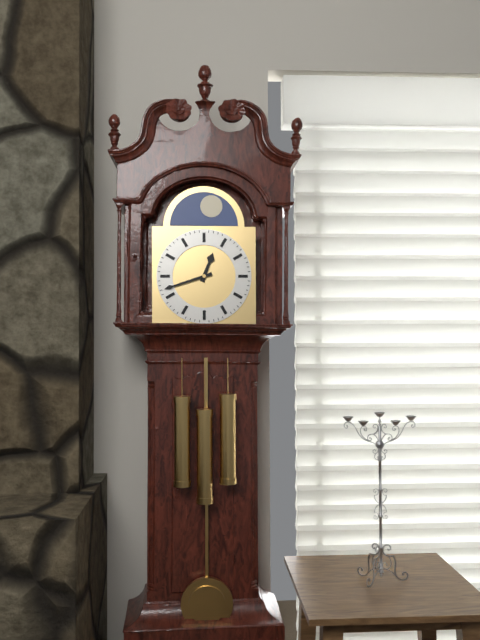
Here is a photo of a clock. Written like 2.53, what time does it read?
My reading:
12.42
